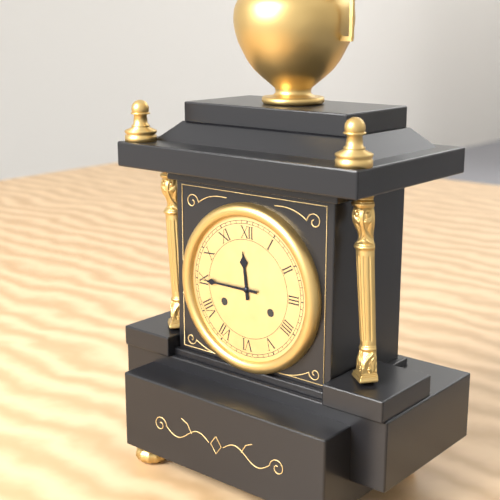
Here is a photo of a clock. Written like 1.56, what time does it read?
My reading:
11.45
